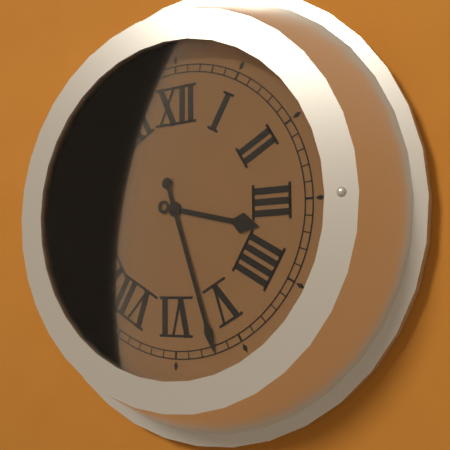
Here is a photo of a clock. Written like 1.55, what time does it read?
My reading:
3.27
